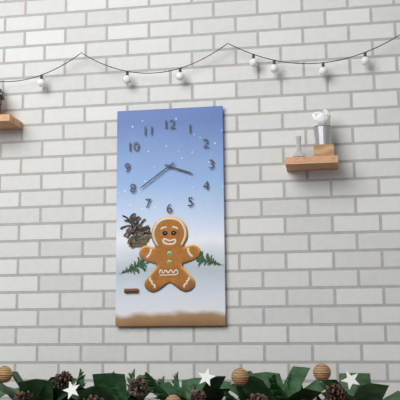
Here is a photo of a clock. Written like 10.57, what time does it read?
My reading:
3.39
